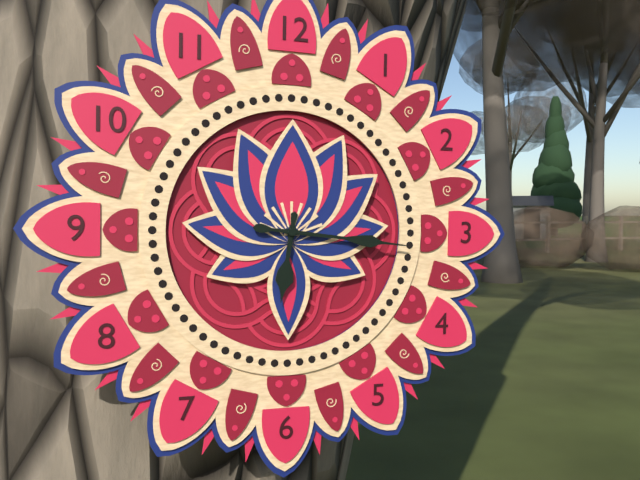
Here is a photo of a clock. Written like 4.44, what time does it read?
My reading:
6.16
